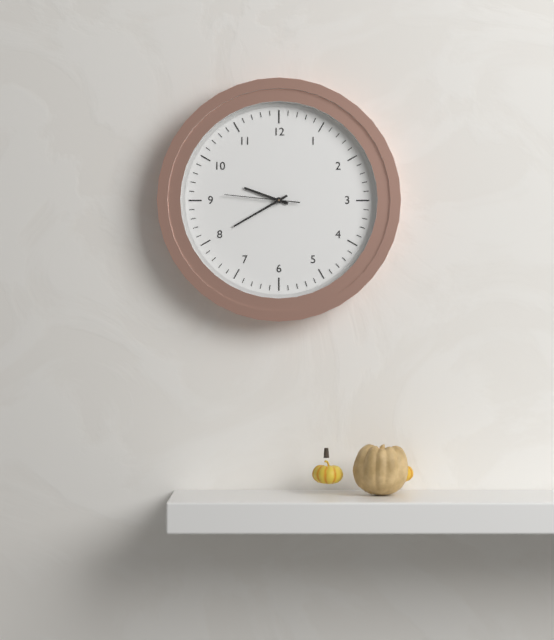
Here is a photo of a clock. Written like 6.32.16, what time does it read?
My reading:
9.40.46
